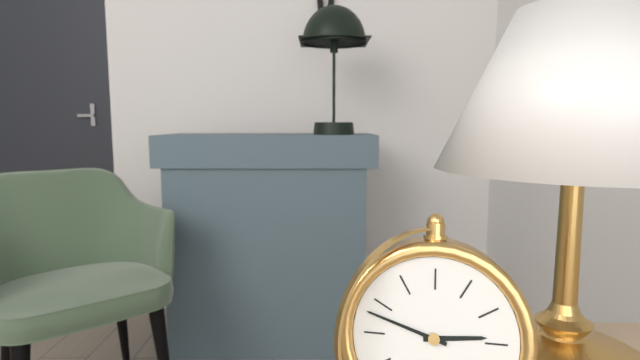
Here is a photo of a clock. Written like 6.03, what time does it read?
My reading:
2.48
